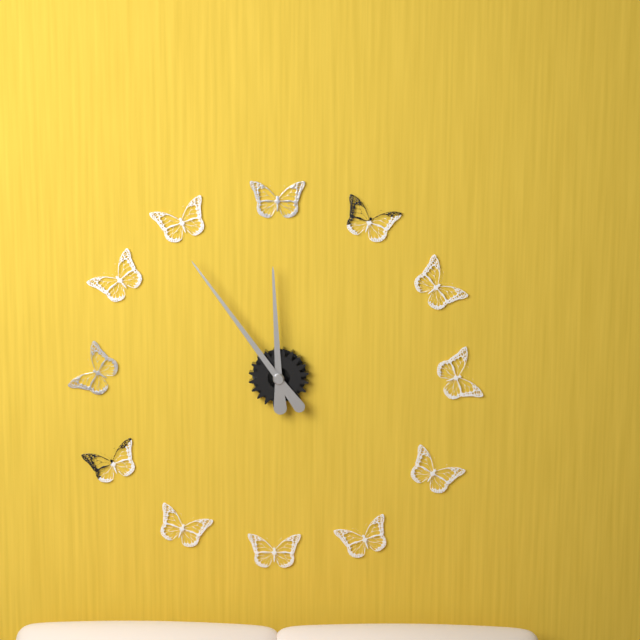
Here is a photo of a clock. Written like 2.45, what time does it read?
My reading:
11.54
